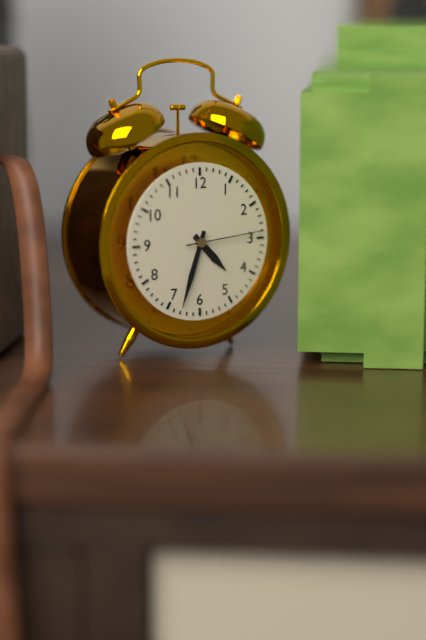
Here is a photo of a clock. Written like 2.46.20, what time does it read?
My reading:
4.33.14
